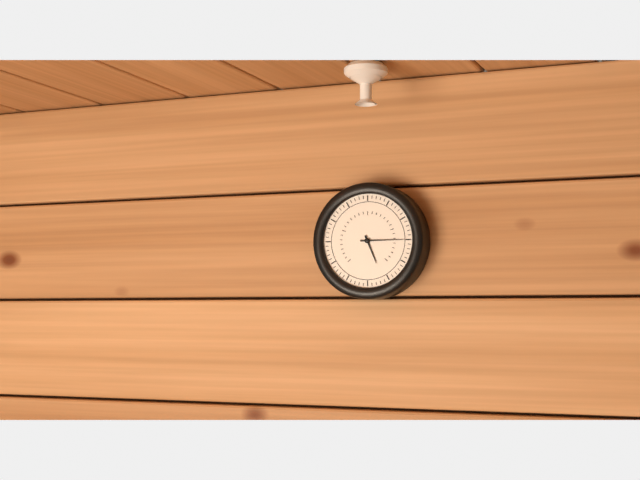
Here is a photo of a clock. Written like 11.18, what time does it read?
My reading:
5.15
